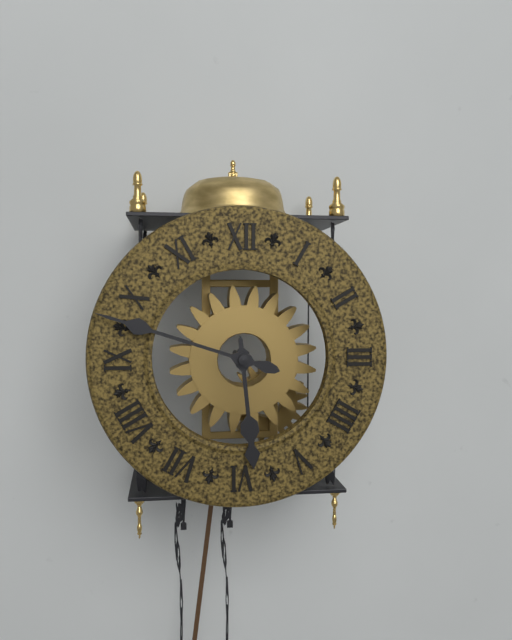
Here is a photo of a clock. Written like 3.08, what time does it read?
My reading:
5.48
